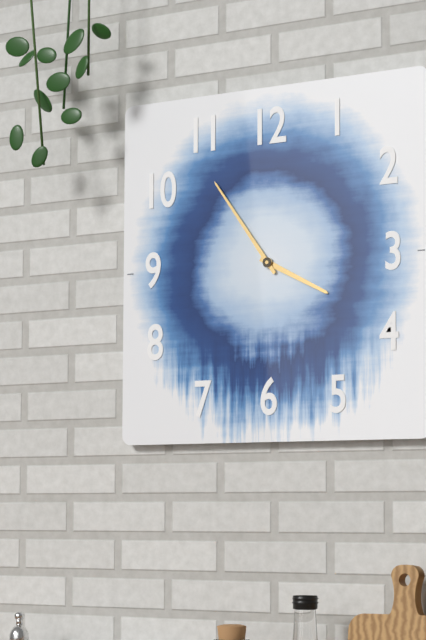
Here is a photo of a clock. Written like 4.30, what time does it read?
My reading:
3.54
